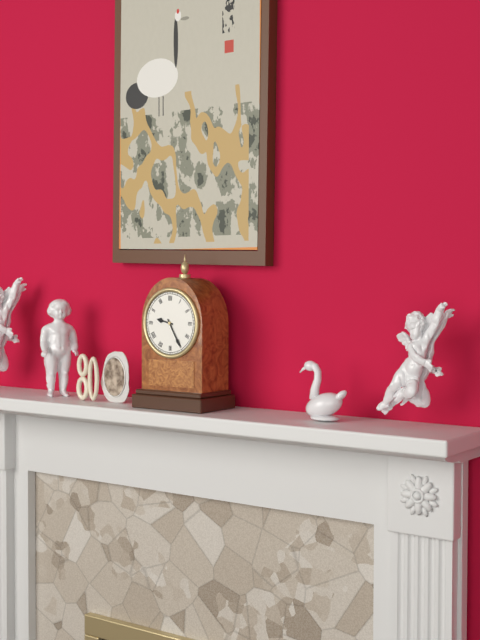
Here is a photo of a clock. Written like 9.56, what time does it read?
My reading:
9.25
